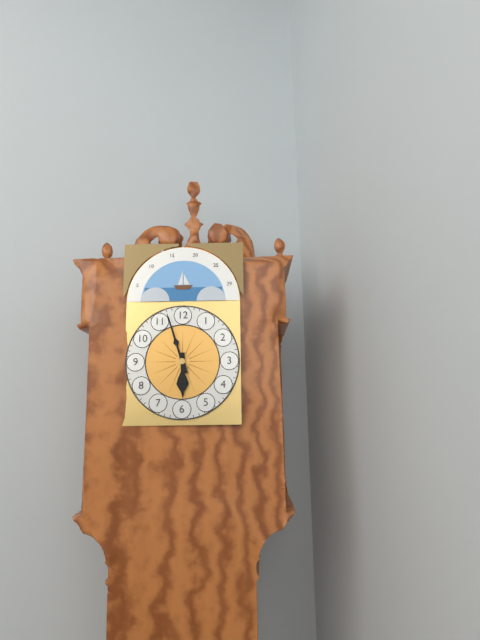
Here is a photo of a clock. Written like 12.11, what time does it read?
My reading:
5.57
